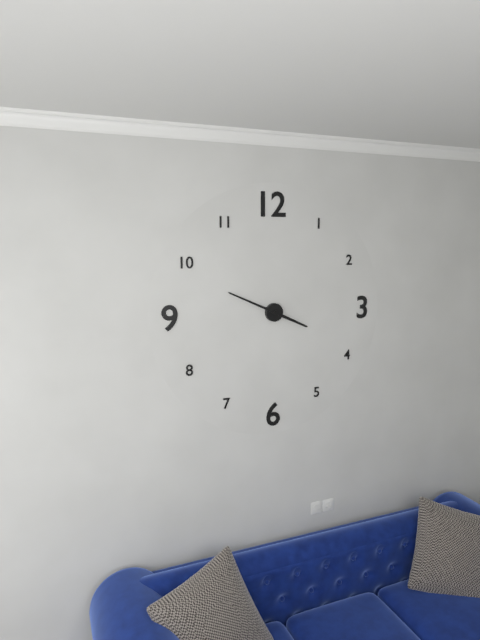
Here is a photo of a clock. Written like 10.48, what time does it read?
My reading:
3.49
